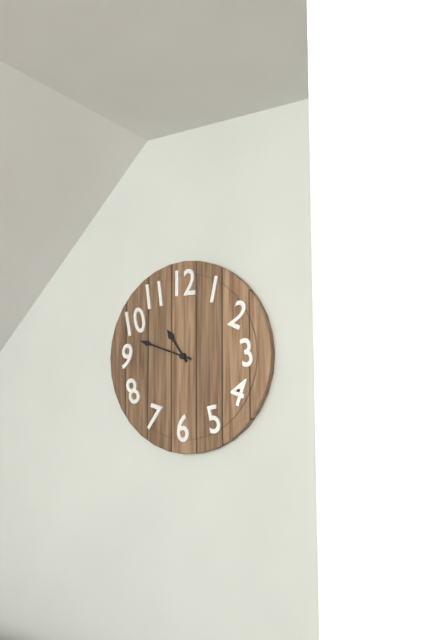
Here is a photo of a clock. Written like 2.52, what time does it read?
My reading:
10.48
